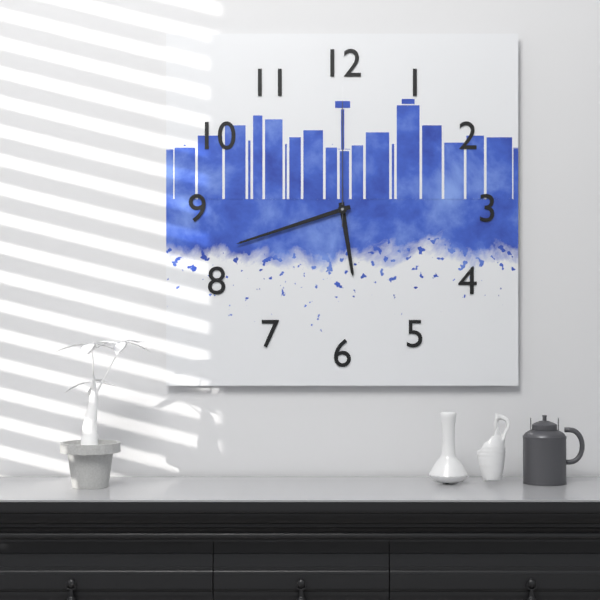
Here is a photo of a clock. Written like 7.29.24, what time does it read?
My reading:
5.42.00
